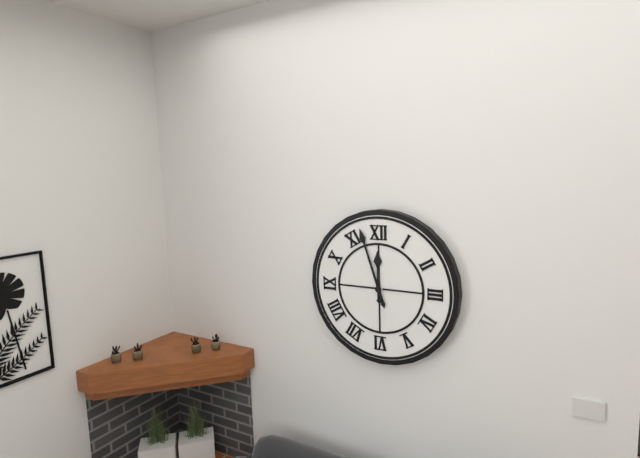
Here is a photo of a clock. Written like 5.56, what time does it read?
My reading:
11.57
